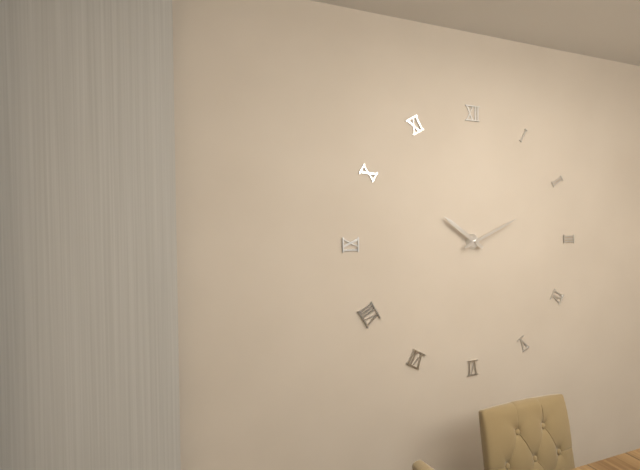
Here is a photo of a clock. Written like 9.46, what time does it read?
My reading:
10.11
